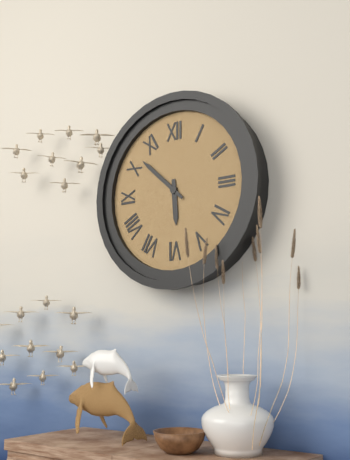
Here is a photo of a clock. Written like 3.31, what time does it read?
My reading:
5.52
